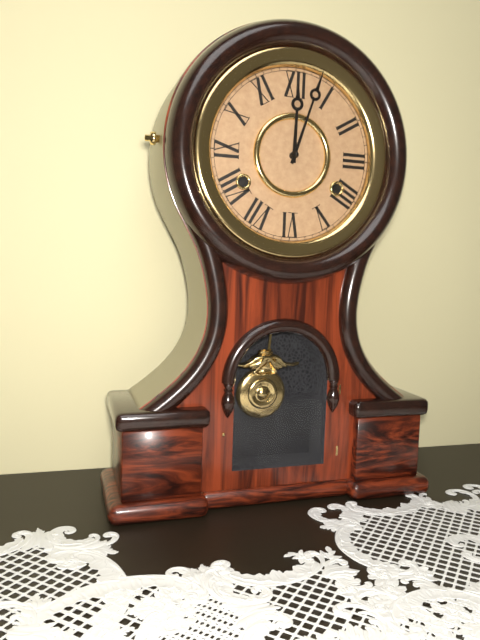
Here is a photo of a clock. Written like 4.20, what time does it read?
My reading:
12.03
